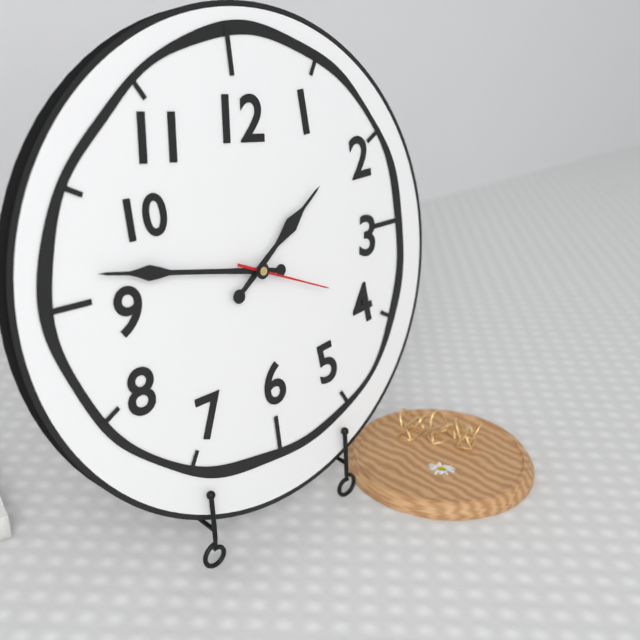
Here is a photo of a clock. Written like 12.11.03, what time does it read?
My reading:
1.47.19
